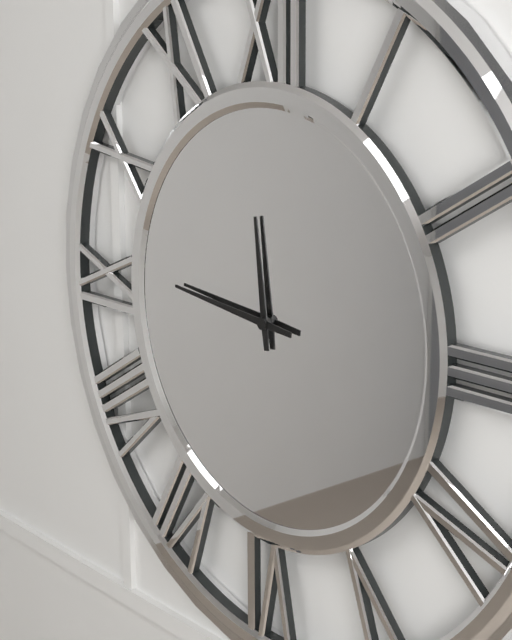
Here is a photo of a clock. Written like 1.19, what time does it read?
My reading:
11.46
